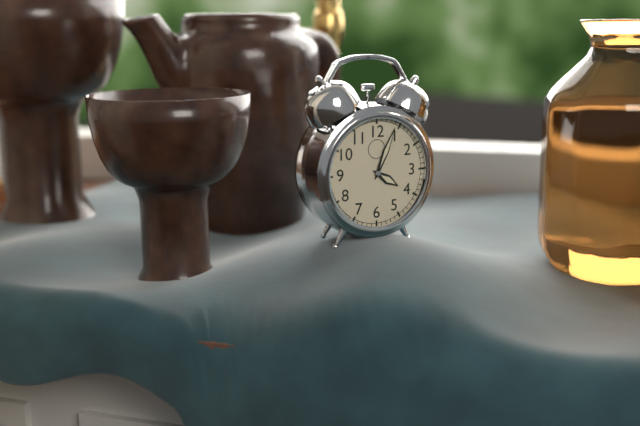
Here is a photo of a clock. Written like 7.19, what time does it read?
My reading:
4.04
